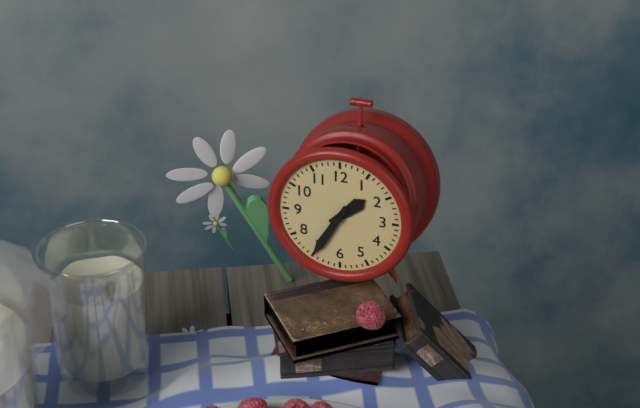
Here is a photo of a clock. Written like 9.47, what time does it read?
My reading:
1.35
